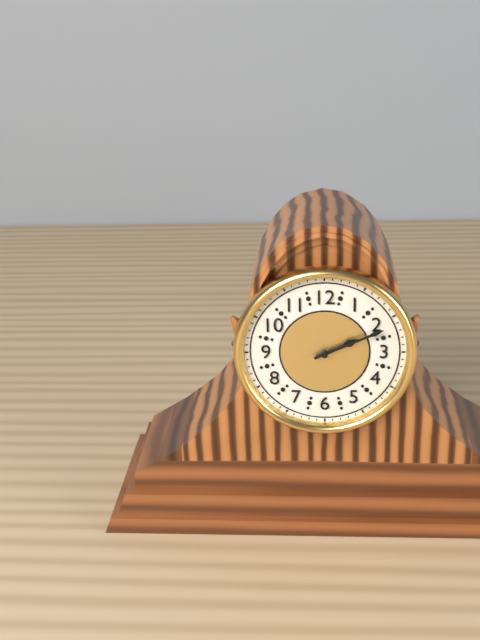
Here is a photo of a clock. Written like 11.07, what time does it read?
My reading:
2.11
